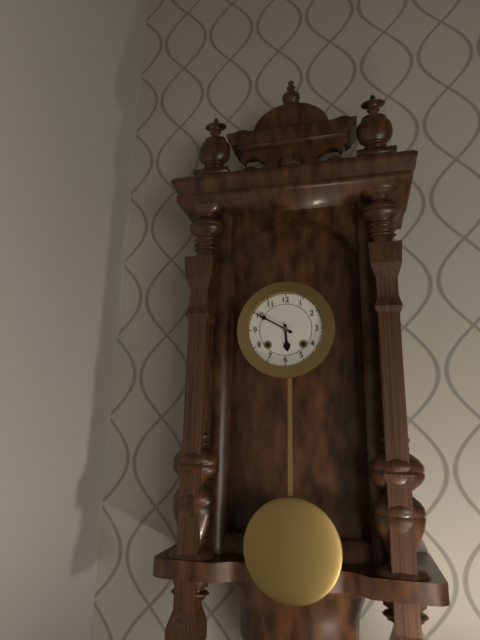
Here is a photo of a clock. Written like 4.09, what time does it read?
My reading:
5.50
